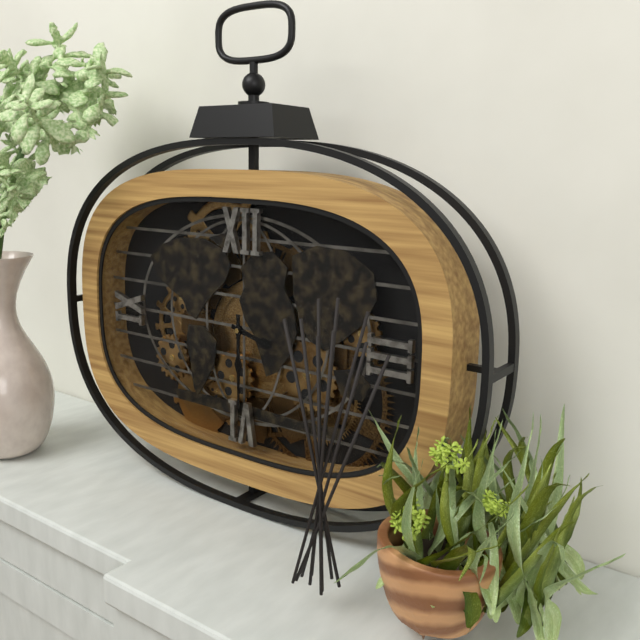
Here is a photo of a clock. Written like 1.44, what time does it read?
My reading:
3.30
